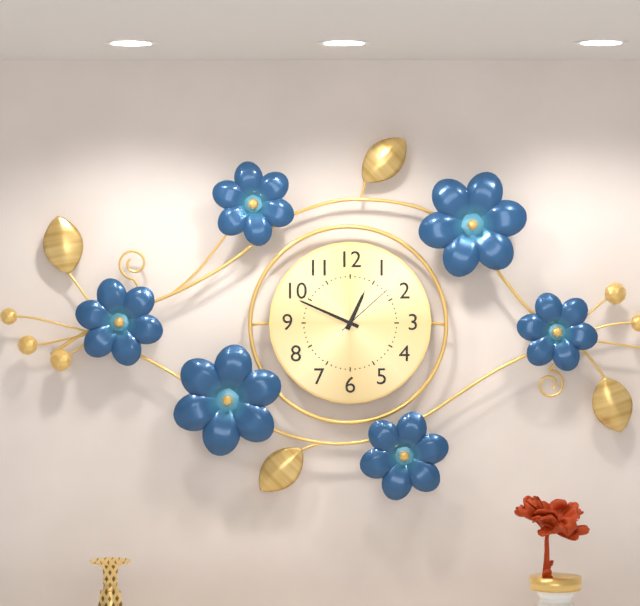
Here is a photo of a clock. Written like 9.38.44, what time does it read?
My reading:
12.49.08
